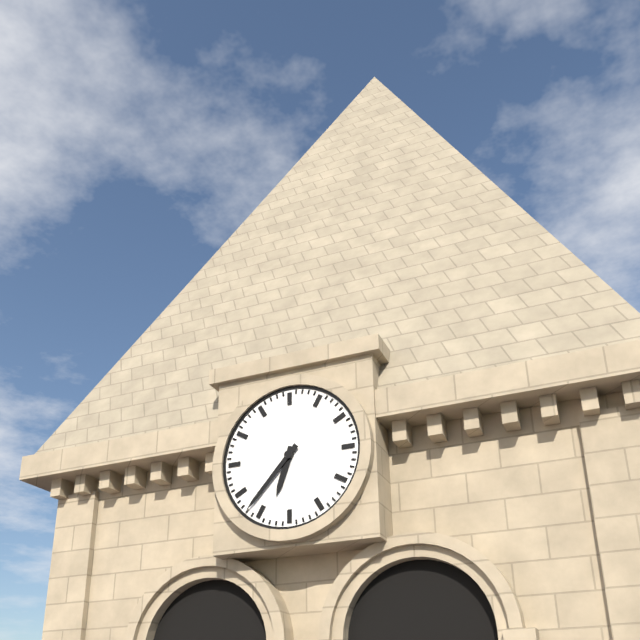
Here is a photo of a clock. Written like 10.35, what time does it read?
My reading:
6.37
